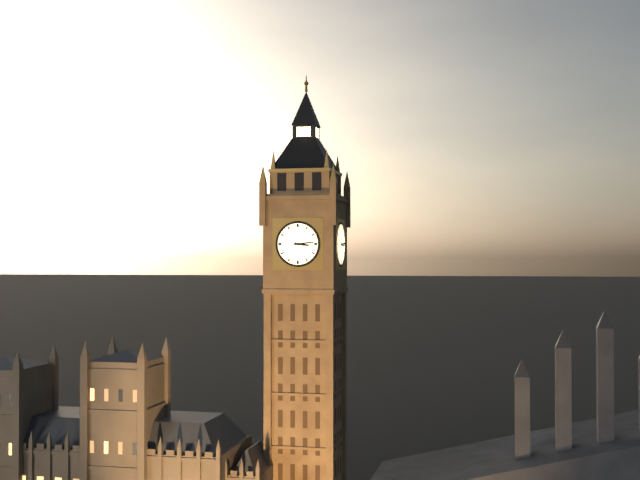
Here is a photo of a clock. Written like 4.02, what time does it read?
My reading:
3.14
